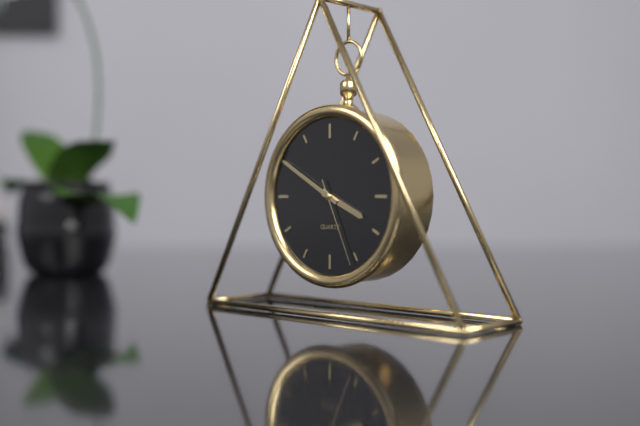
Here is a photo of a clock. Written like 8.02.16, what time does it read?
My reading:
3.50.26
